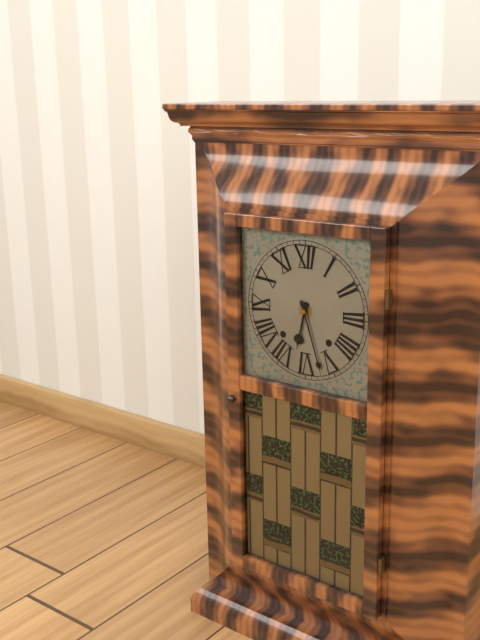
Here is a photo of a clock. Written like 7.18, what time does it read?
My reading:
6.27
